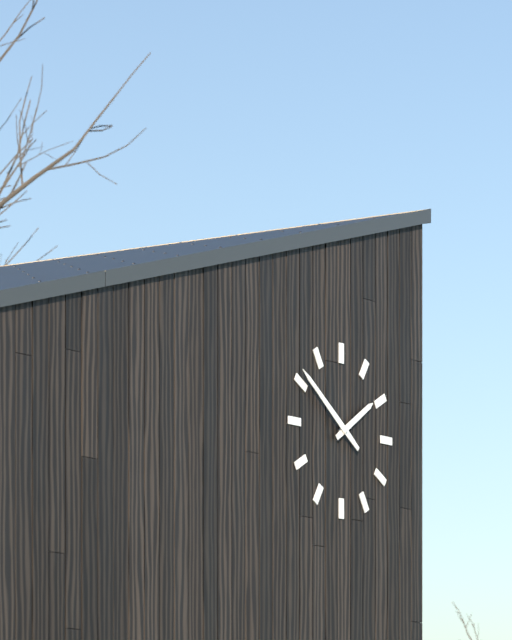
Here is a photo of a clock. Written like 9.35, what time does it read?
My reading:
1.51
